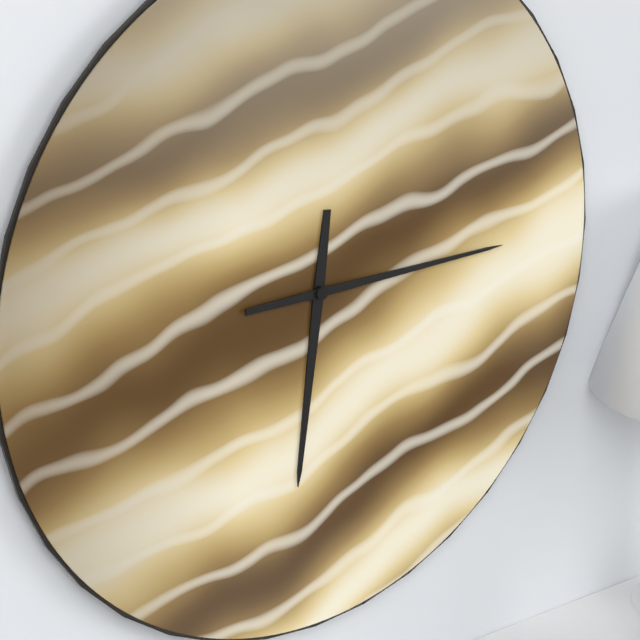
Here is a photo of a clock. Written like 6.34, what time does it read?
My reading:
6.15
